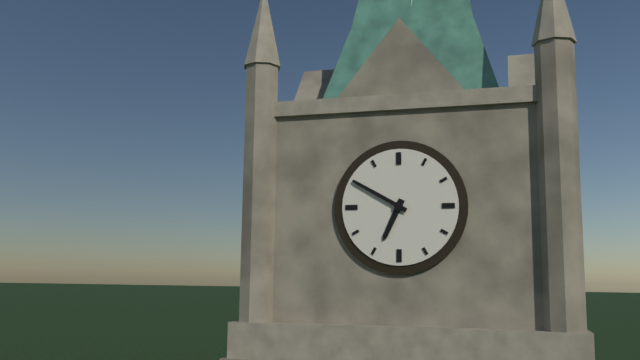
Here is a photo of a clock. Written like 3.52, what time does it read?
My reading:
6.50
